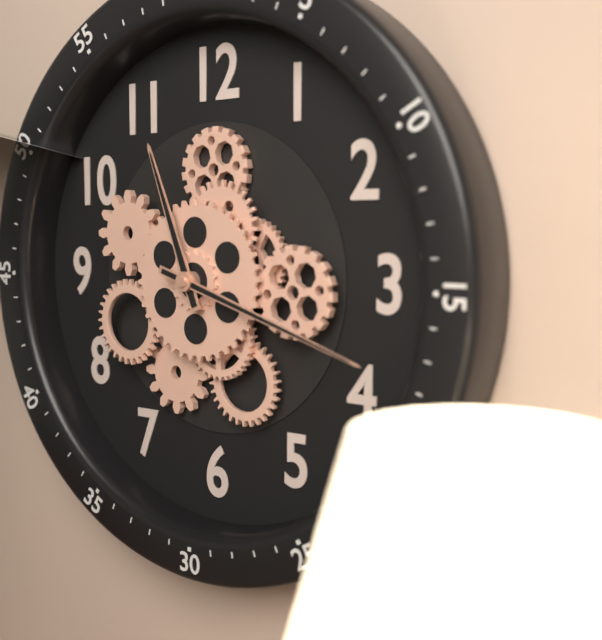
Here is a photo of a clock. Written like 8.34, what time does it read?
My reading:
11.18
